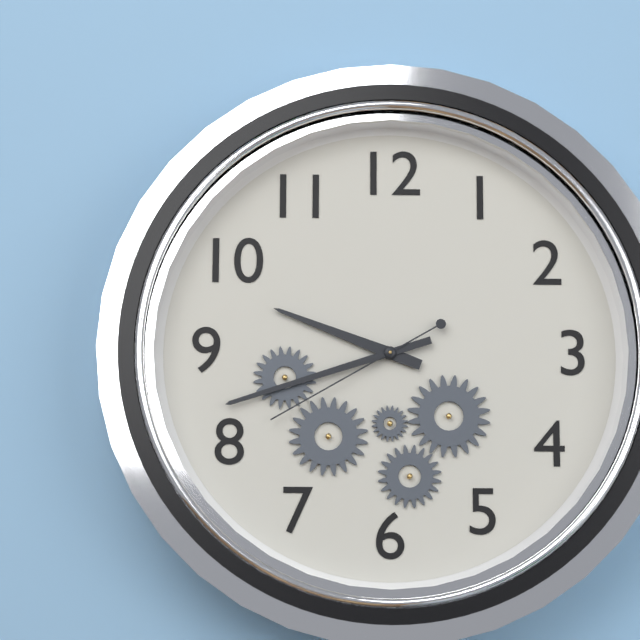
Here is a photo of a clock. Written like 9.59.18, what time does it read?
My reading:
9.42.40
